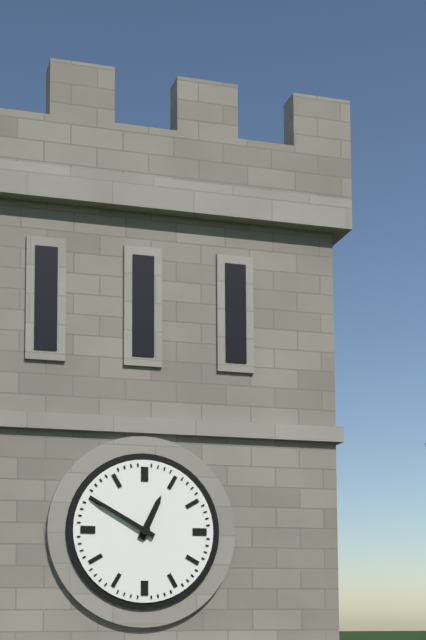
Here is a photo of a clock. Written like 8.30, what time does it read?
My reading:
12.50
